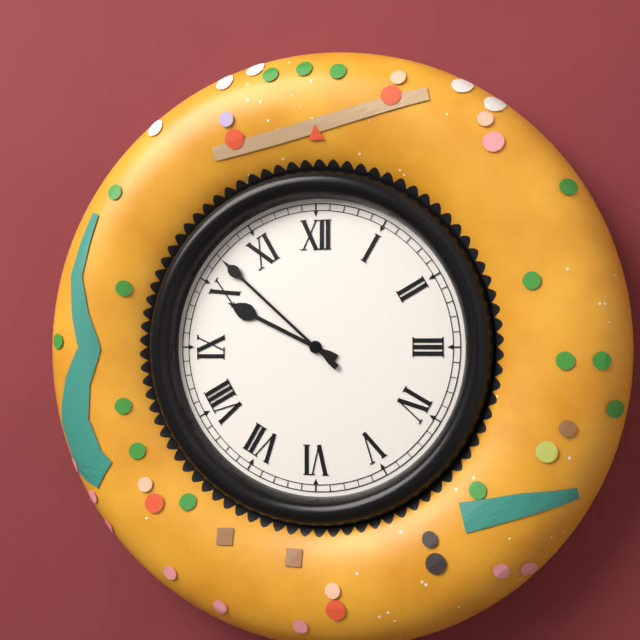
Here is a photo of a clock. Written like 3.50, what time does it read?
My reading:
9.52
